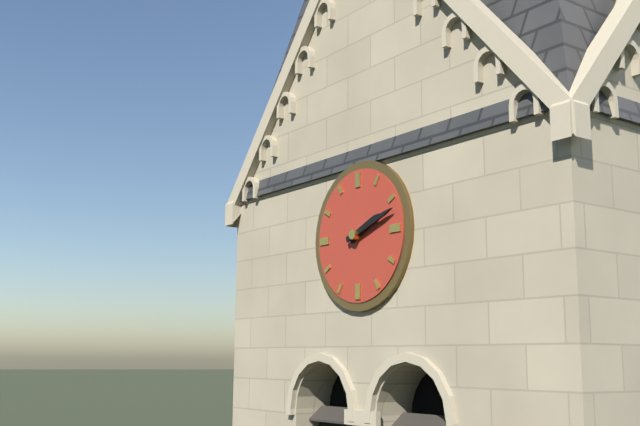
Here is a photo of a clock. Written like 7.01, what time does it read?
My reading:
2.12
